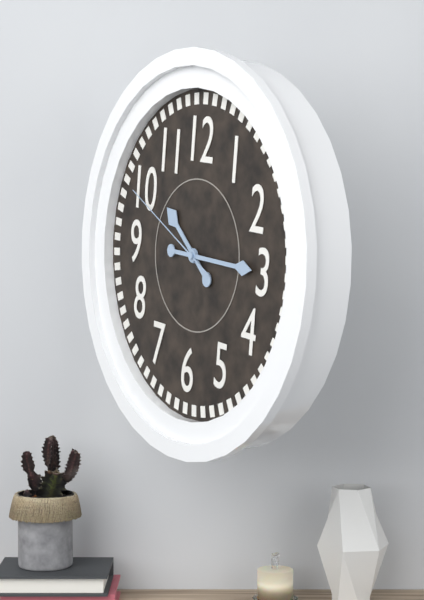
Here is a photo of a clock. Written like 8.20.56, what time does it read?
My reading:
10.15.49
